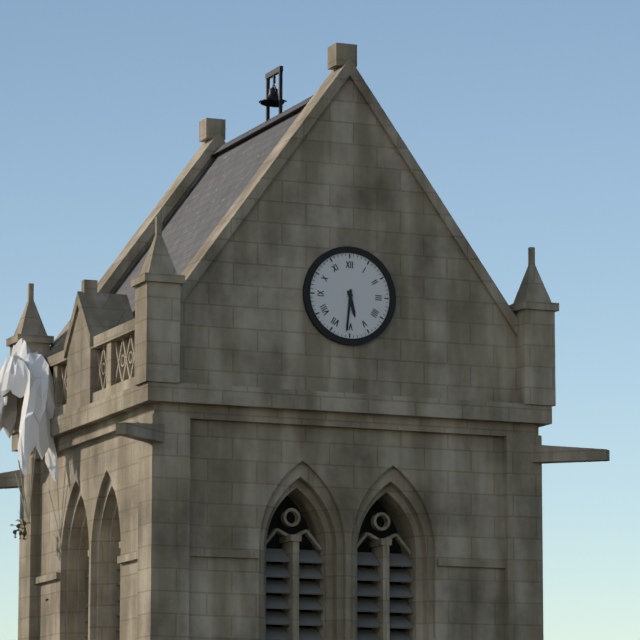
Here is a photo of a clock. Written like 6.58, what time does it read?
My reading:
5.31
